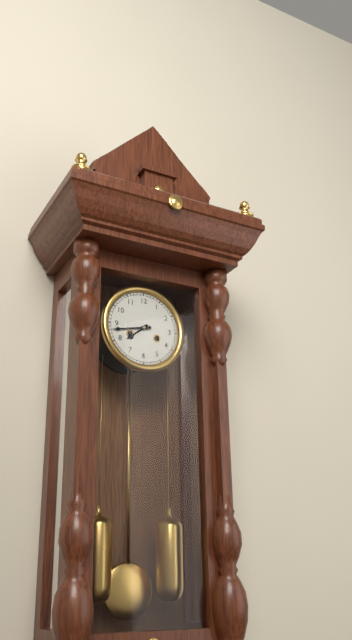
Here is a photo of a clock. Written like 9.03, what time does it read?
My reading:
7.43
